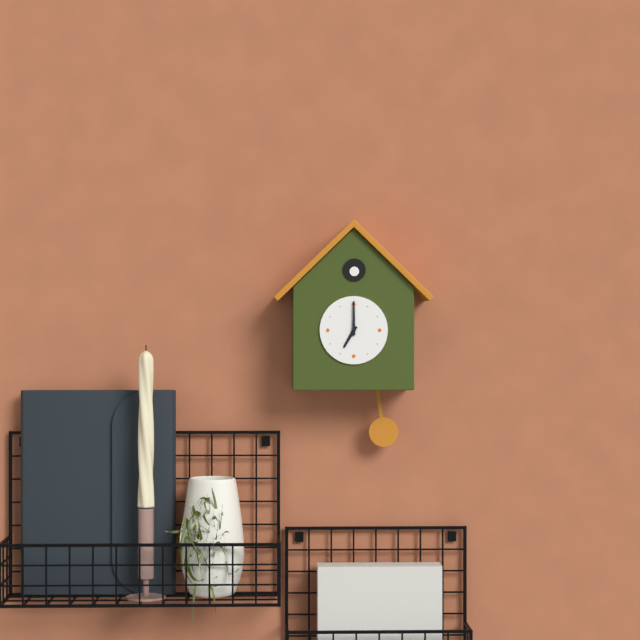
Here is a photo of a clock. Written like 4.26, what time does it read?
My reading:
7.00
